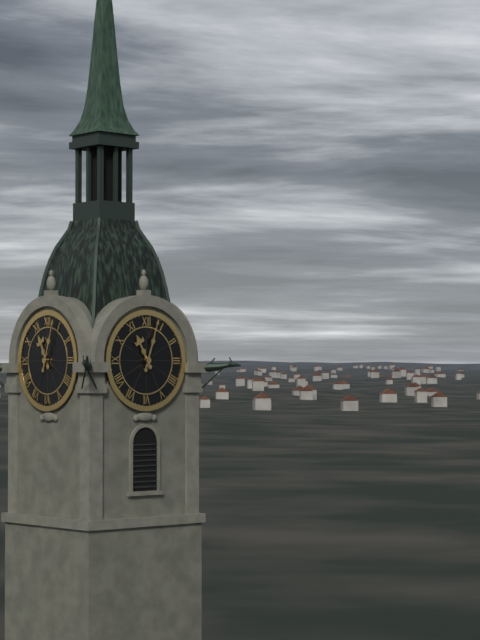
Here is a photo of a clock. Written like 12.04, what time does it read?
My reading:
11.03
